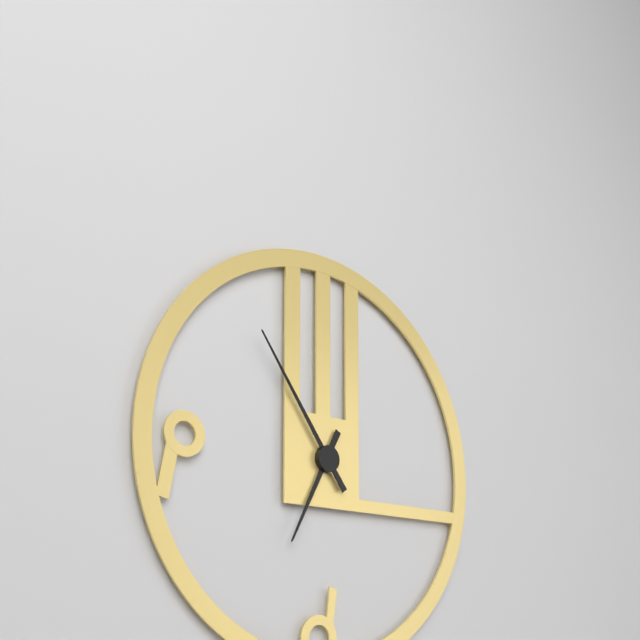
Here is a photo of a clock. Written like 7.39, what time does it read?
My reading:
6.54
